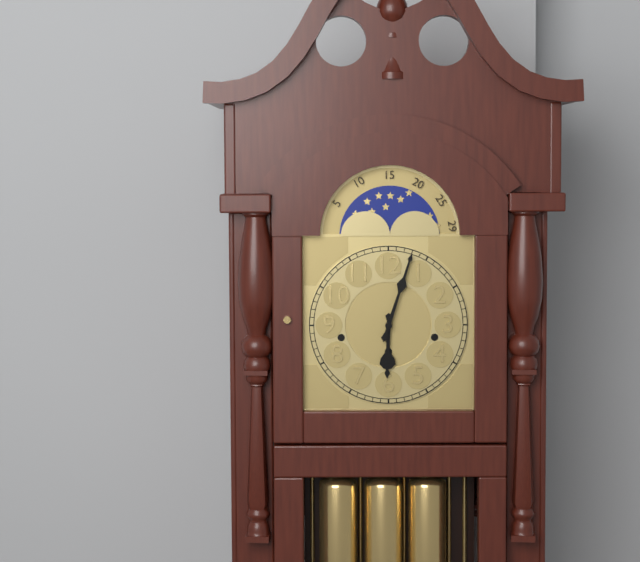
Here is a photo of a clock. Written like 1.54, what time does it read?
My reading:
6.03
